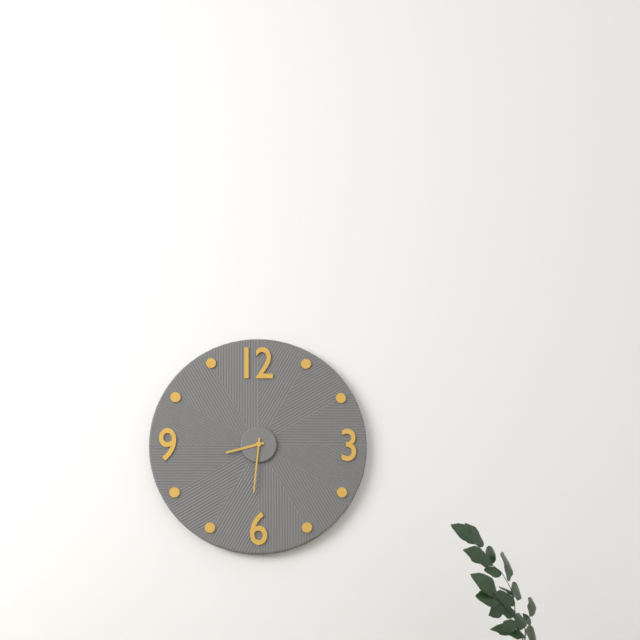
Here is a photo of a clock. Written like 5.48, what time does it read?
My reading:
8.31
